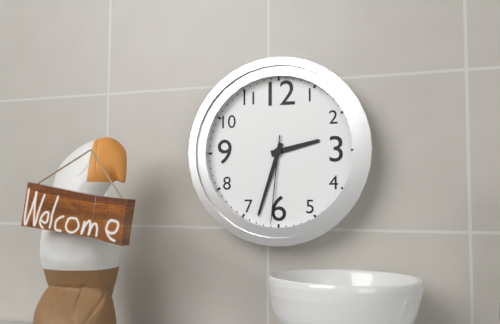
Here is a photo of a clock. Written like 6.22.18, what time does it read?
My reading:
2.33.31
